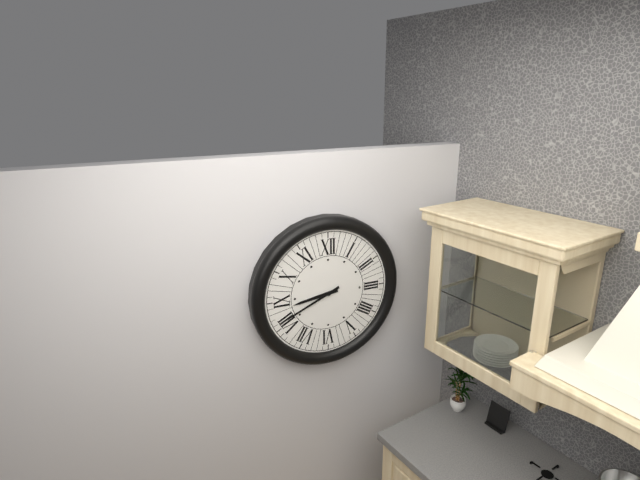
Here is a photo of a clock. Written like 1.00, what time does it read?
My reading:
8.41
